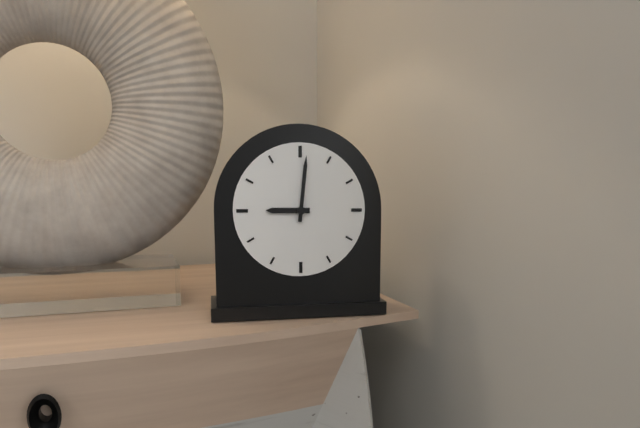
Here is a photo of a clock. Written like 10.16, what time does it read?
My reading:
9.01
